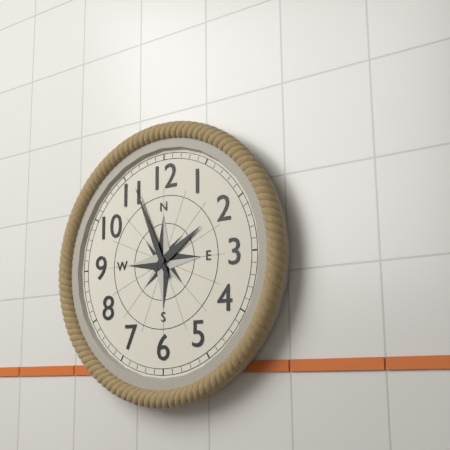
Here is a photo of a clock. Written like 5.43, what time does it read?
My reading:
1.56
